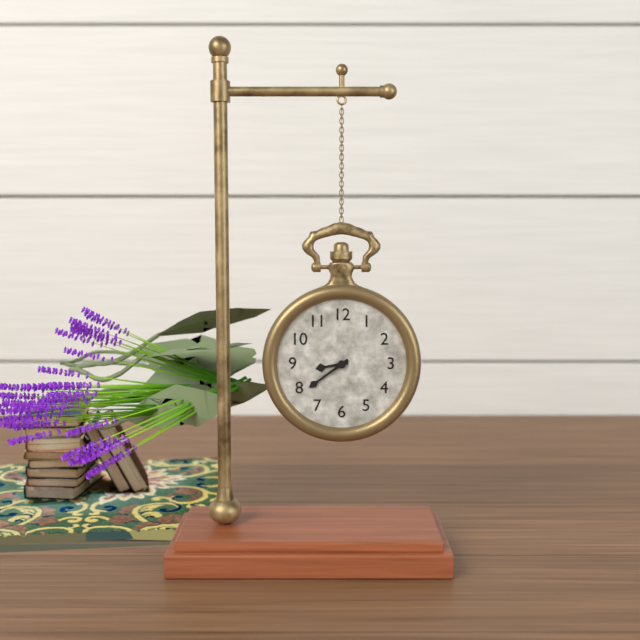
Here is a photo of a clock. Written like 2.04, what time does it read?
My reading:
8.39
